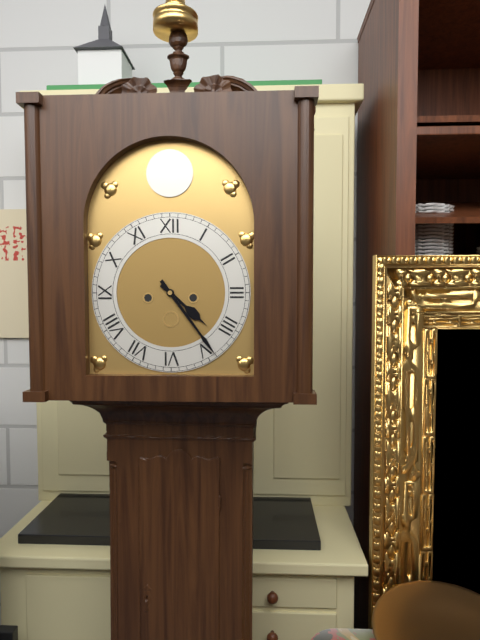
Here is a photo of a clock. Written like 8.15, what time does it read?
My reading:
4.24
